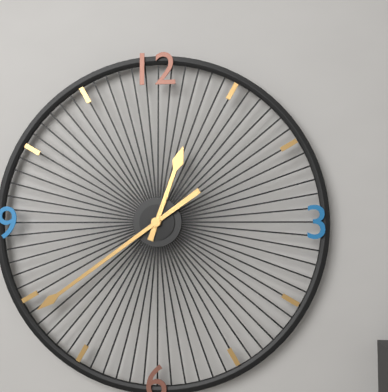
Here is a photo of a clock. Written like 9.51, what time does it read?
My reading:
12.39
